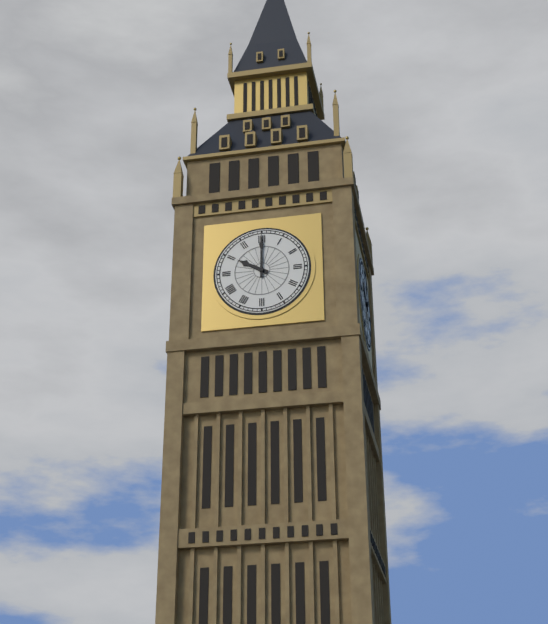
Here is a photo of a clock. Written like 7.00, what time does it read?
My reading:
10.00
